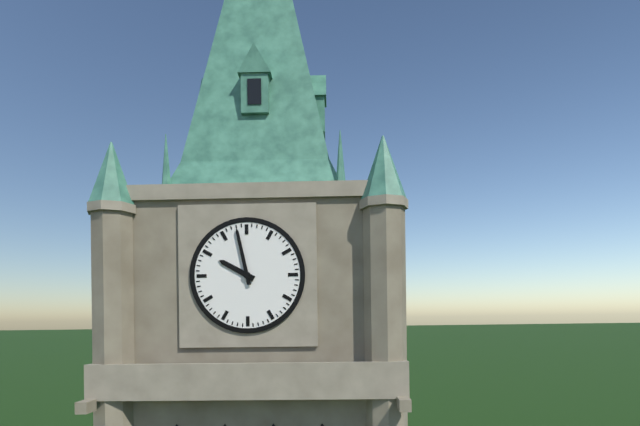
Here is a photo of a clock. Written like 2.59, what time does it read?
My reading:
9.58
